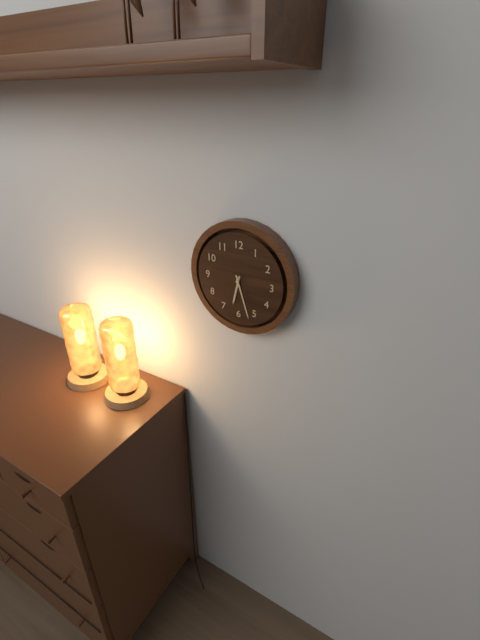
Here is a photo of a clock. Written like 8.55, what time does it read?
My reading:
6.27
